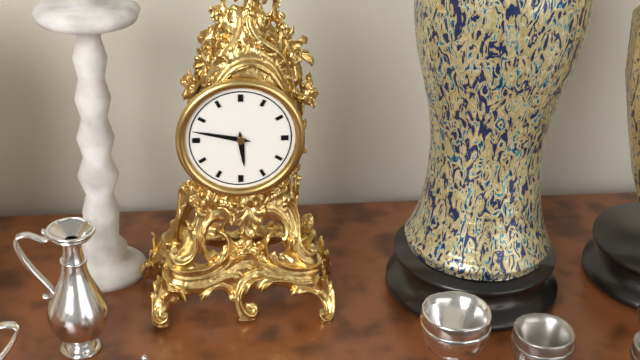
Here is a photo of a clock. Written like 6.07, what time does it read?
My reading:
5.47
